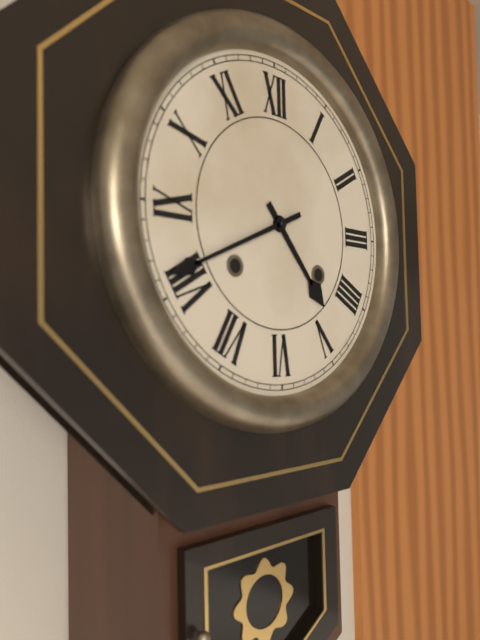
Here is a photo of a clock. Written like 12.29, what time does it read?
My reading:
4.41
